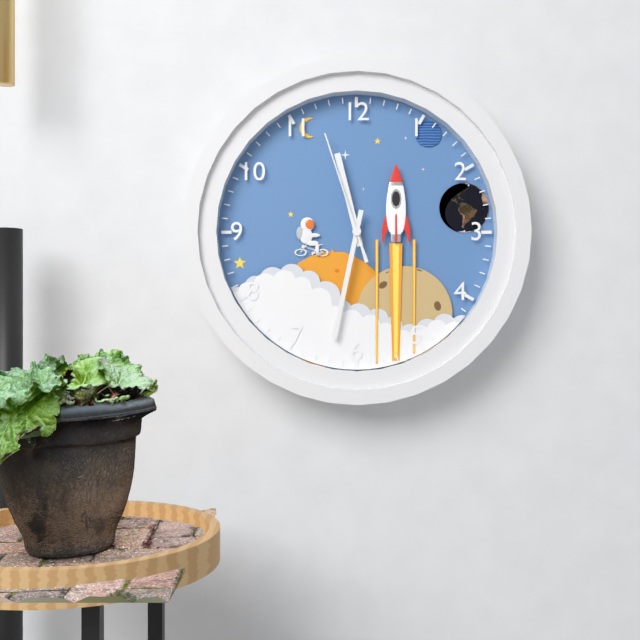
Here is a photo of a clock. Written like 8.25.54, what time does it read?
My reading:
11.32.57
